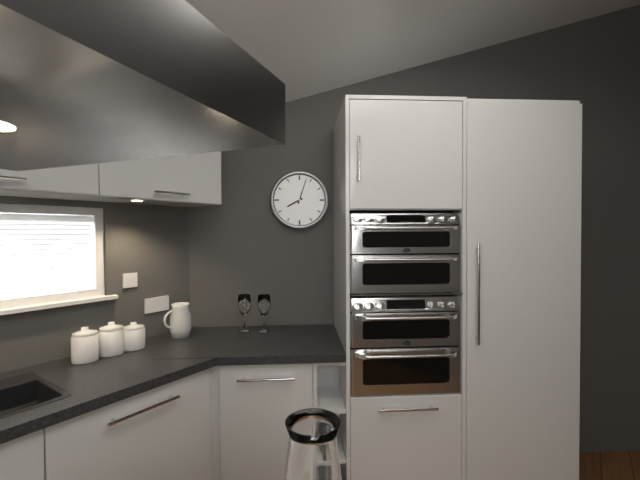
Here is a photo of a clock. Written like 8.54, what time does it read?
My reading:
8.03
